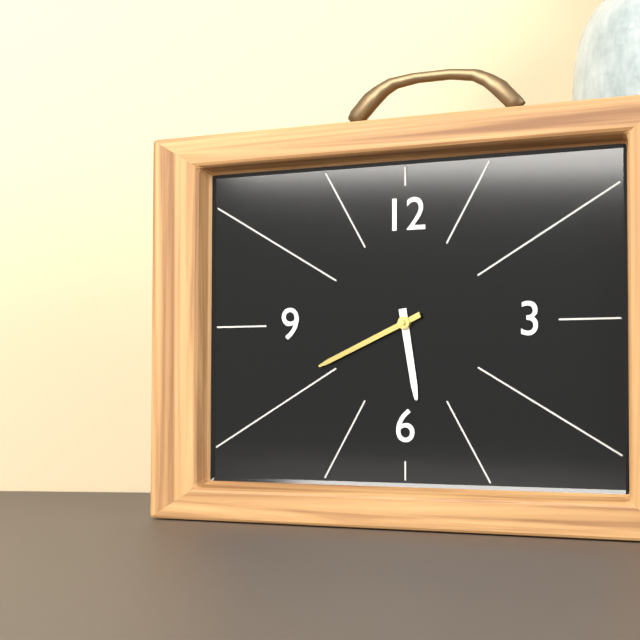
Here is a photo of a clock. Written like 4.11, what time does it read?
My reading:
5.41
